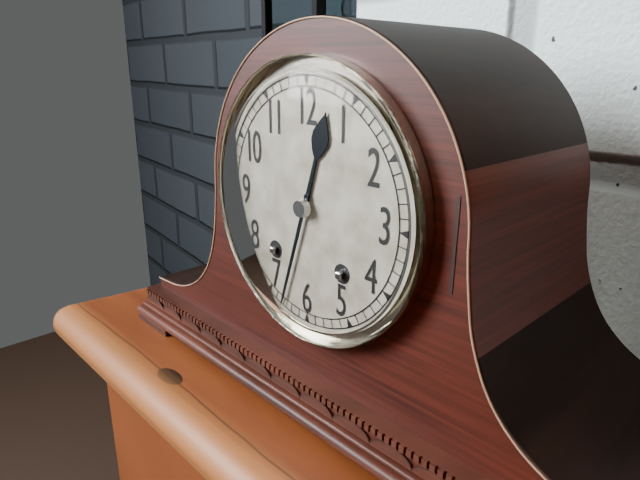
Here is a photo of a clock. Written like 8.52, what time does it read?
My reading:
12.33
